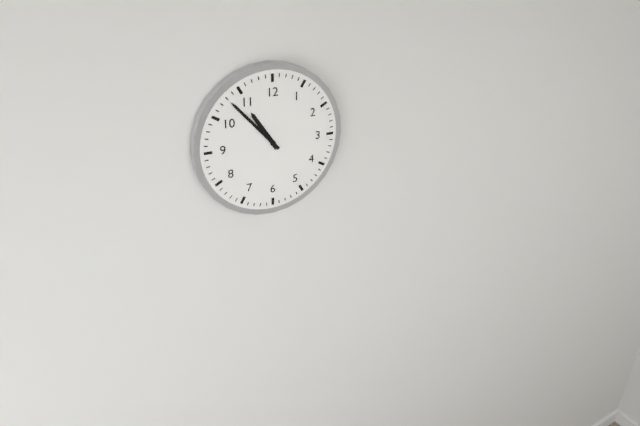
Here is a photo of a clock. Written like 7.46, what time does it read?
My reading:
10.53
